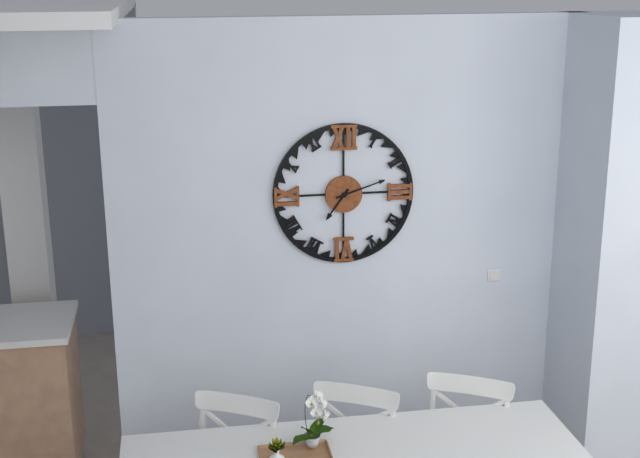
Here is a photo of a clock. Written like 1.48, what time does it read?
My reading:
7.12
